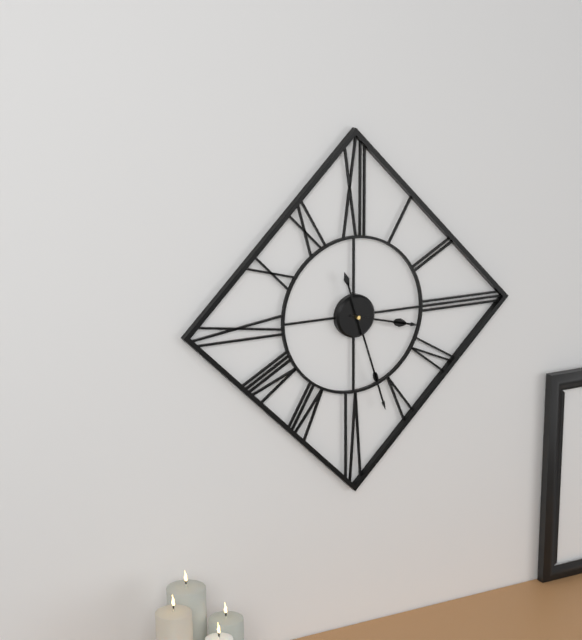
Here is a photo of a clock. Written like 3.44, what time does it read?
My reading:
3.27
